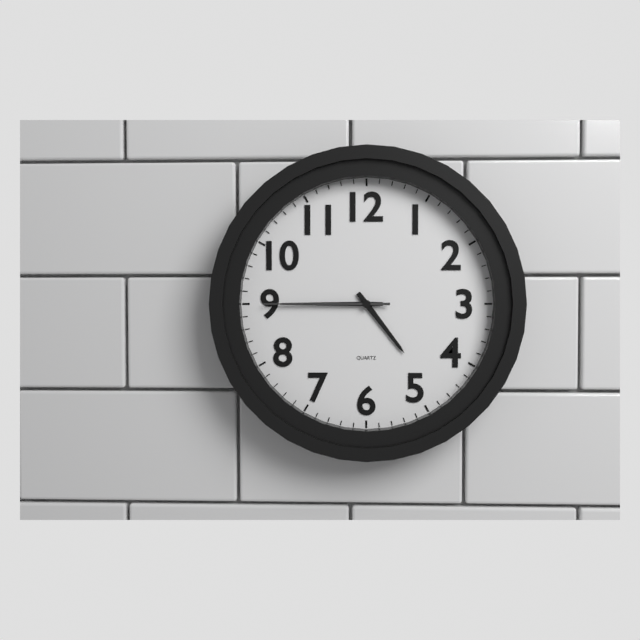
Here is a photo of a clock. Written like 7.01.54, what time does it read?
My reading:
4.45.45
